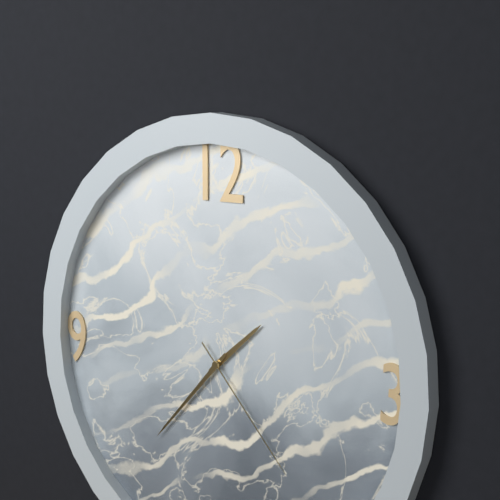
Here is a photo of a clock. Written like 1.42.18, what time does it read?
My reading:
1.37.23
